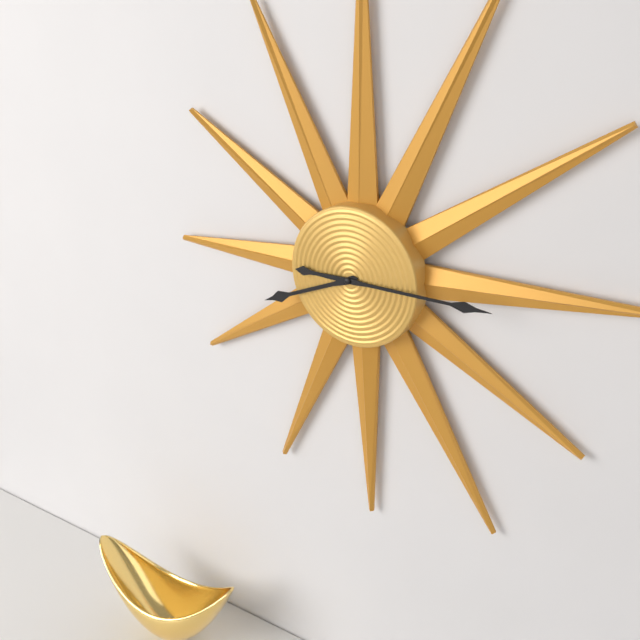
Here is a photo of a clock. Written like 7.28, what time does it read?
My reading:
8.15
